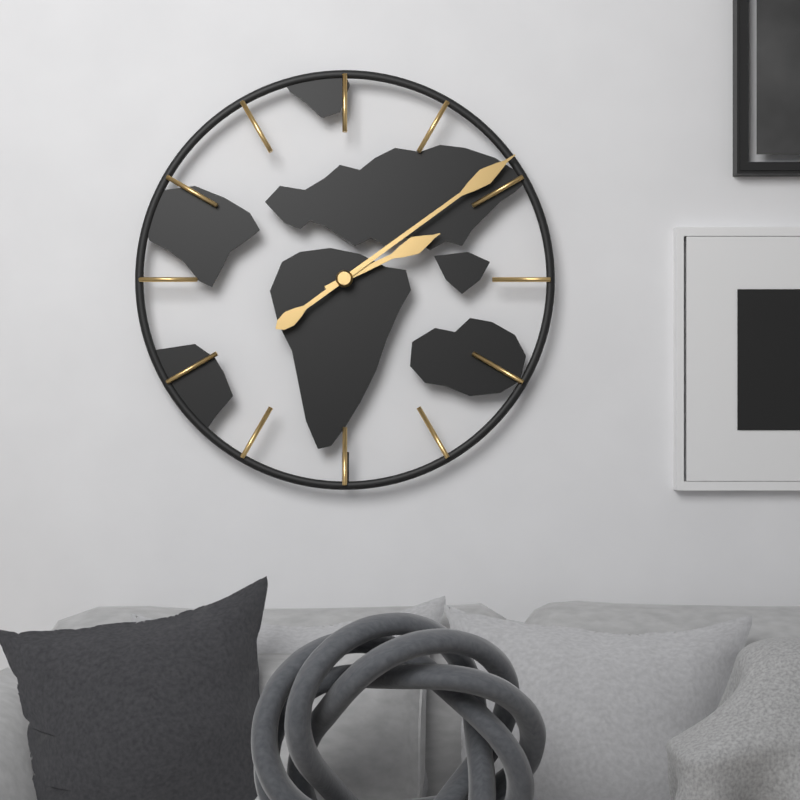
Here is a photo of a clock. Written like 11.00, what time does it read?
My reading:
2.09
